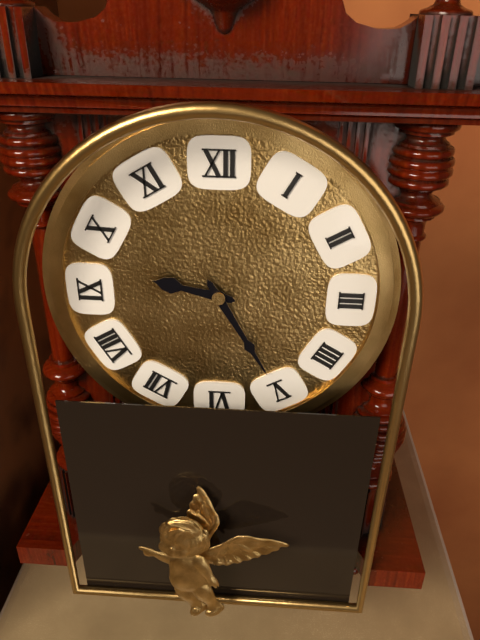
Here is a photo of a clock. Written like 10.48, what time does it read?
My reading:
9.25
